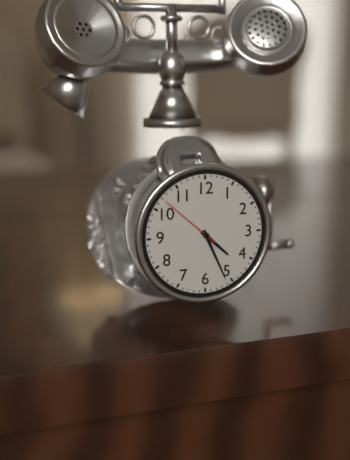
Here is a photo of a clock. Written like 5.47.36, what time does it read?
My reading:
4.26.52
